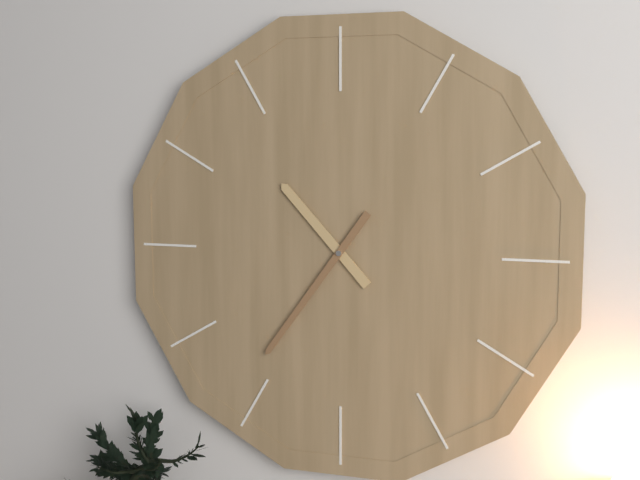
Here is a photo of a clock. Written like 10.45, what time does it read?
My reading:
10.36
